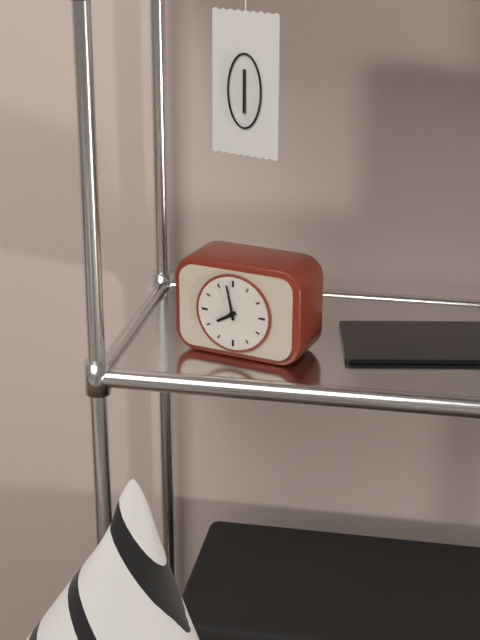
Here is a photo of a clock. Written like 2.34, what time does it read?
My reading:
7.58
